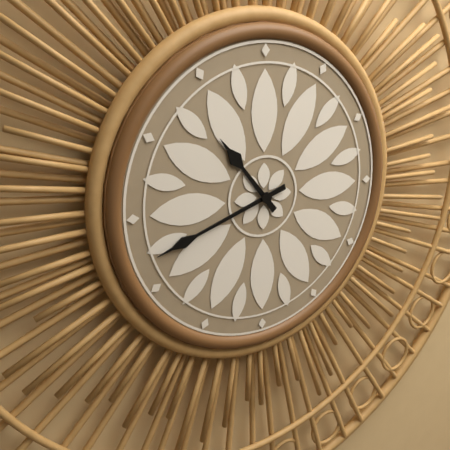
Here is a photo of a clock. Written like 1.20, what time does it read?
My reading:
10.42
